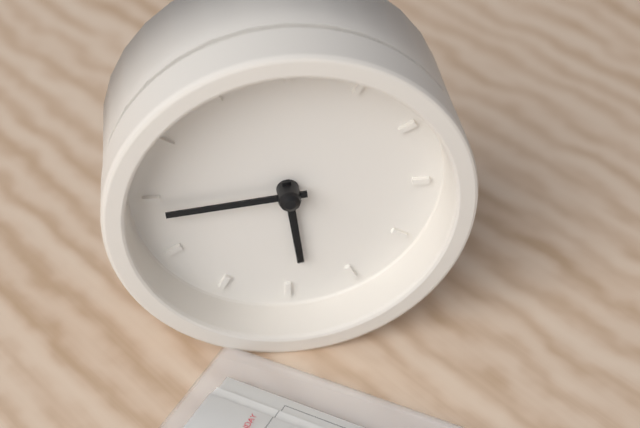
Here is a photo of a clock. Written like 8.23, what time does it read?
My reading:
5.44
